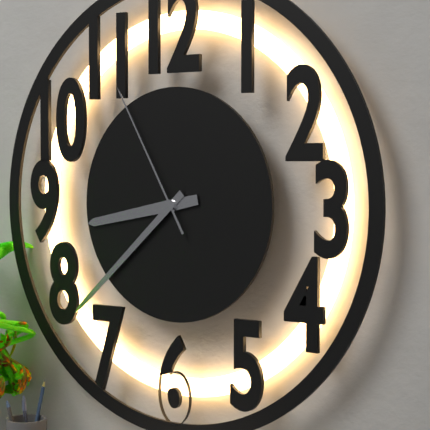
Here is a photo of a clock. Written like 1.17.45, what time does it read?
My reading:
8.38.55
